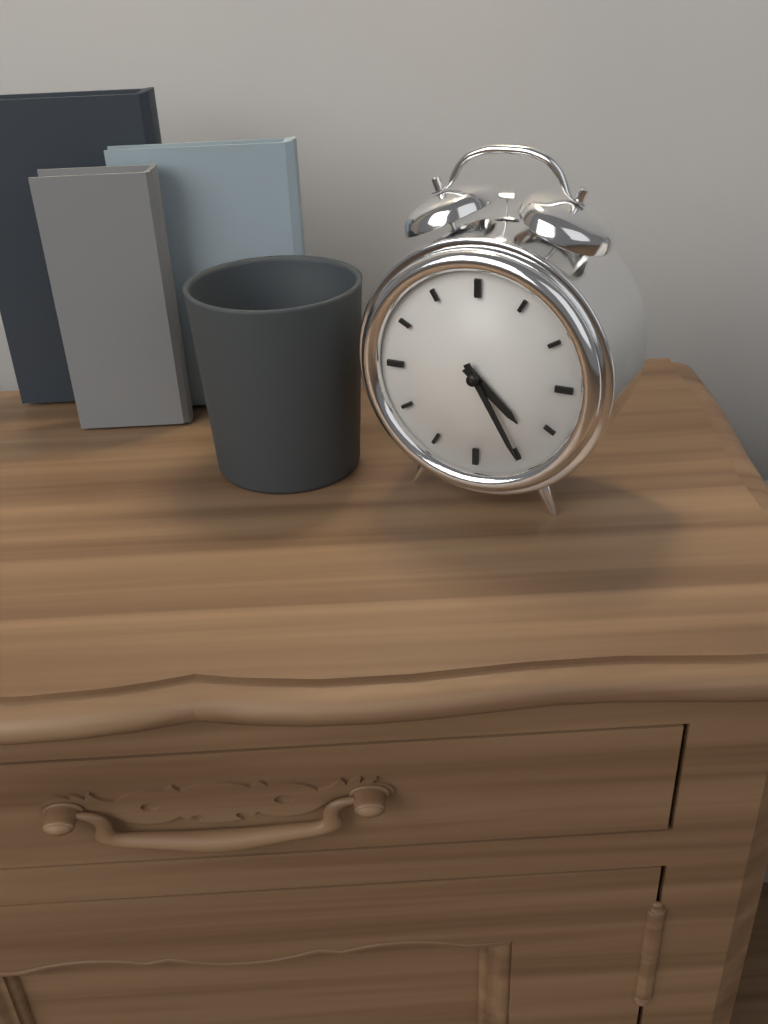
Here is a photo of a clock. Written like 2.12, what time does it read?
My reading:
4.25
